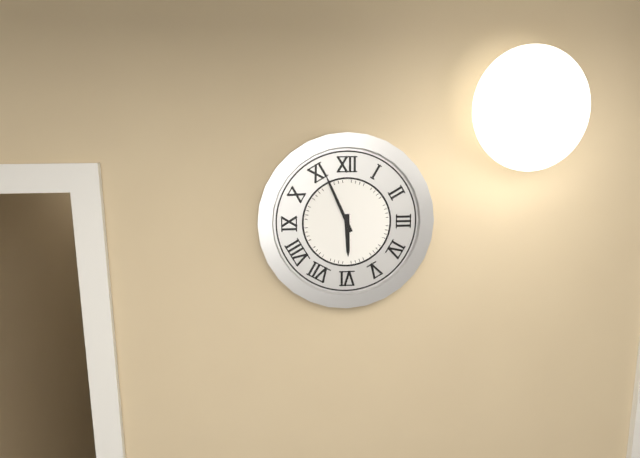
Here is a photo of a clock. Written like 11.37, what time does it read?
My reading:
5.56
